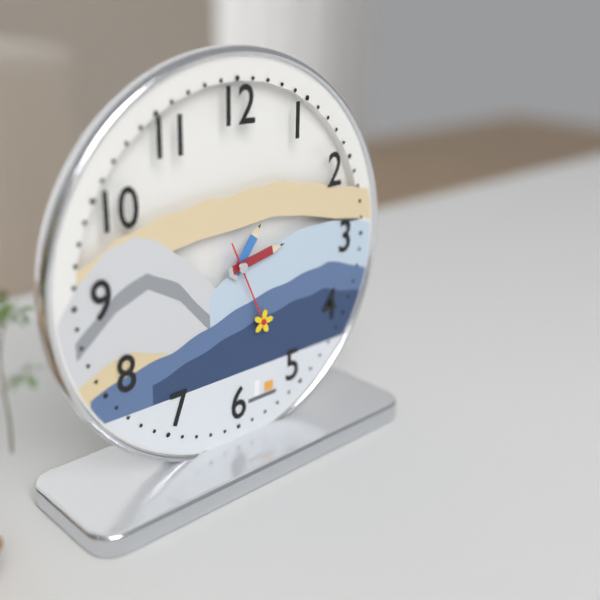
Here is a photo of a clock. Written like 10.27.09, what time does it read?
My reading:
1.13.26
